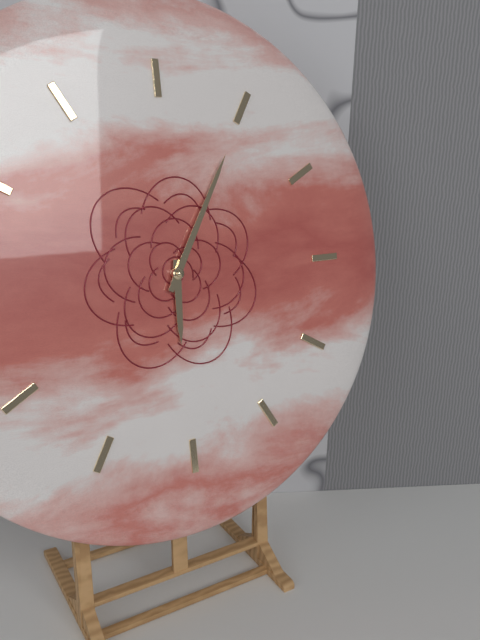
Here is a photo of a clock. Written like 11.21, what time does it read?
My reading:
6.05
